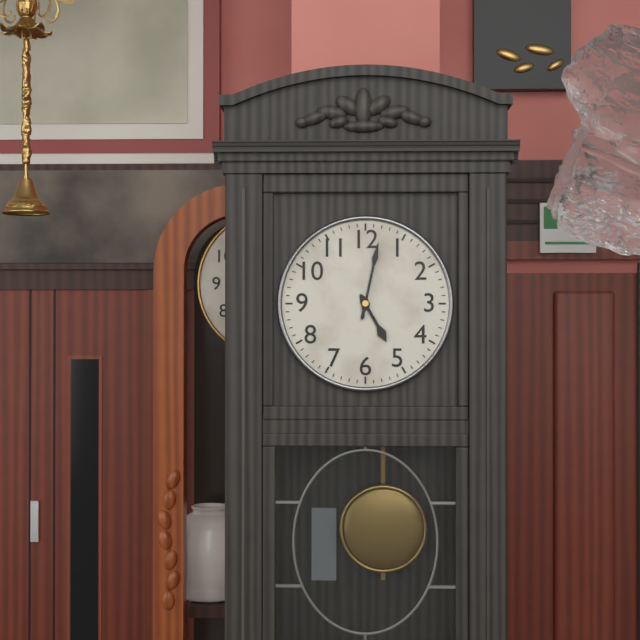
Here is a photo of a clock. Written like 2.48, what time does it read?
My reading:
5.02
